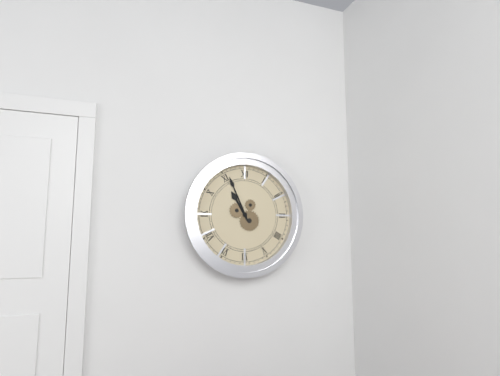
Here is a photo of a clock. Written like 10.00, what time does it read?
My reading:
10.56
